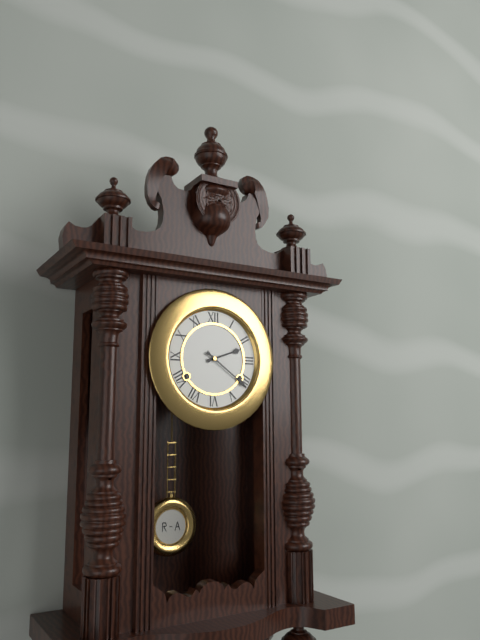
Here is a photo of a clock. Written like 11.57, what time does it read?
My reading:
2.21
